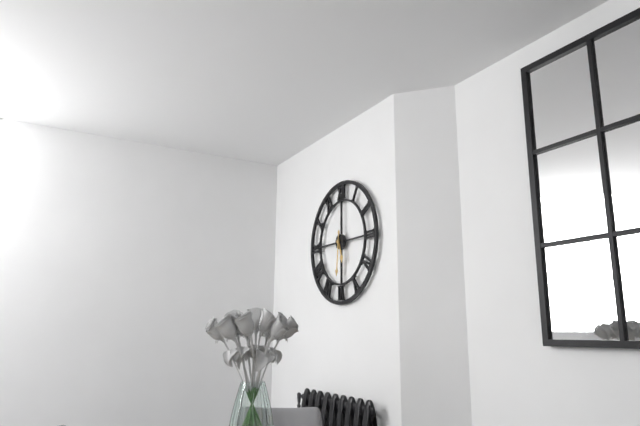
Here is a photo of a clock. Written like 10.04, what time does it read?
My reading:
5.31
